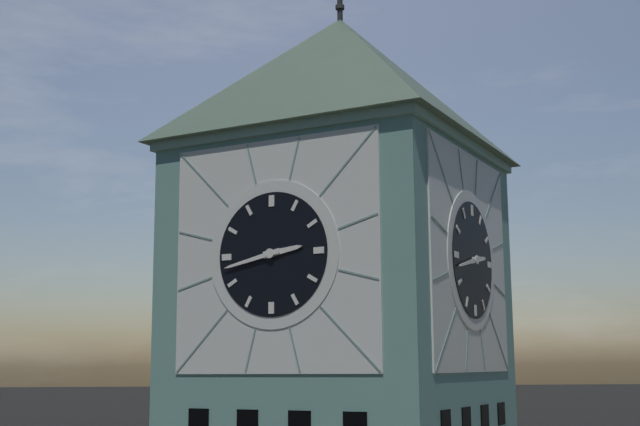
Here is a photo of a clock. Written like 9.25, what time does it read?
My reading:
2.43
